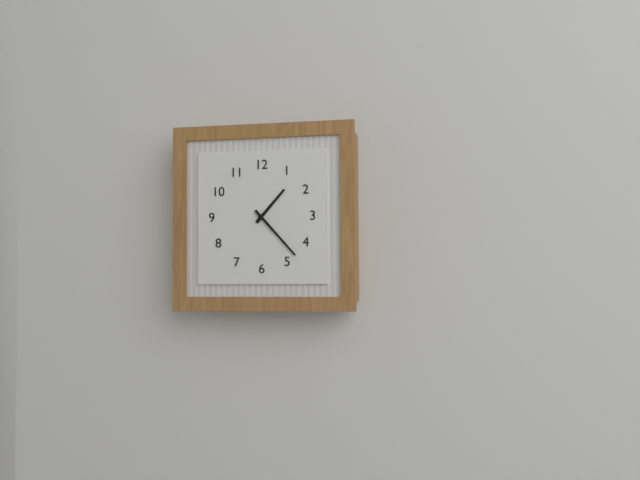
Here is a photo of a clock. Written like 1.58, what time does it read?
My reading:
1.23
